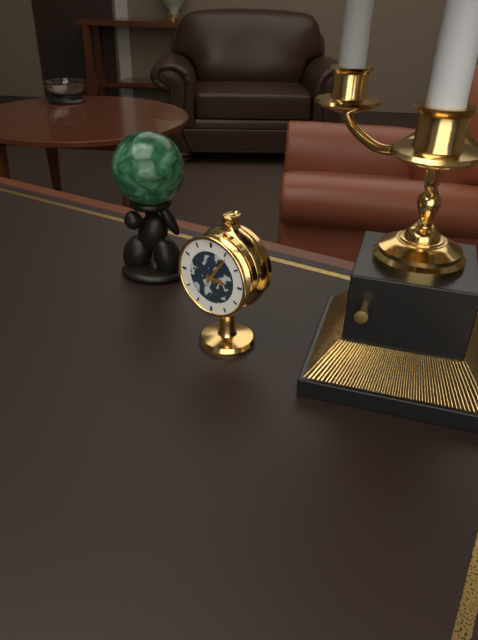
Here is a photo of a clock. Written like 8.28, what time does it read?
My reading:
3.06
